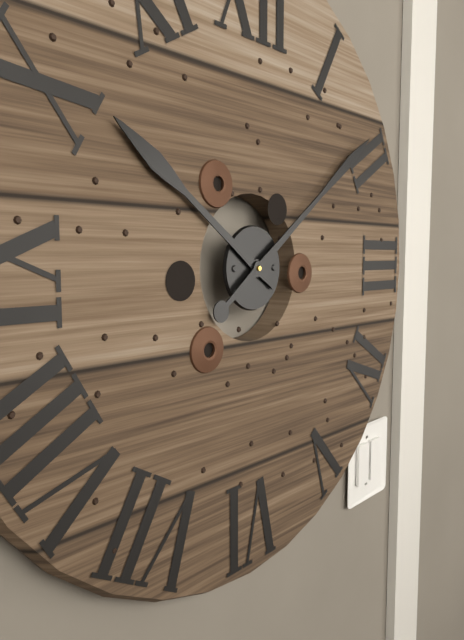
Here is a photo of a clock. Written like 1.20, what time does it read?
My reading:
10.09
